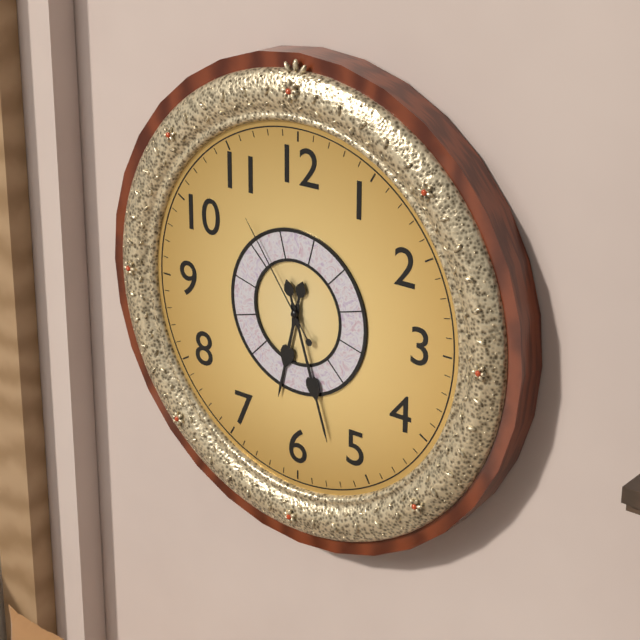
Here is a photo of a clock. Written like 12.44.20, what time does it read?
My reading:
6.27.54
